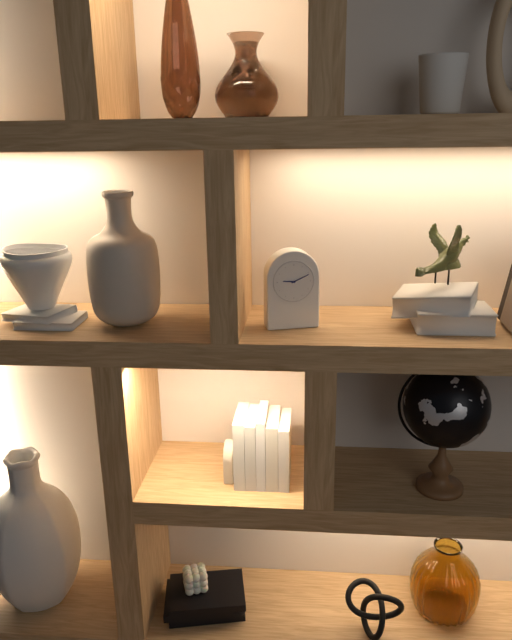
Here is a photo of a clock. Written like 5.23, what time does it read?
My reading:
9.11
